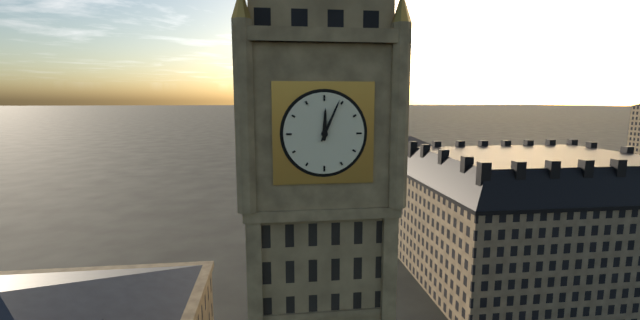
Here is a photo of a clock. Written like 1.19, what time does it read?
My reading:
12.04
